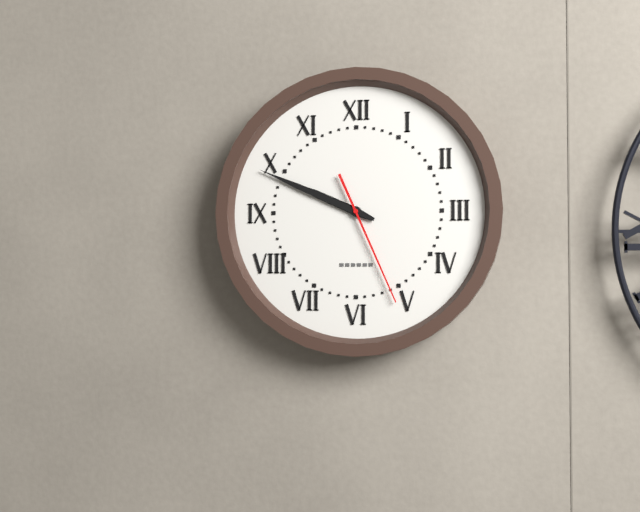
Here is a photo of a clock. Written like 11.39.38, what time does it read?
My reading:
9.49.26
